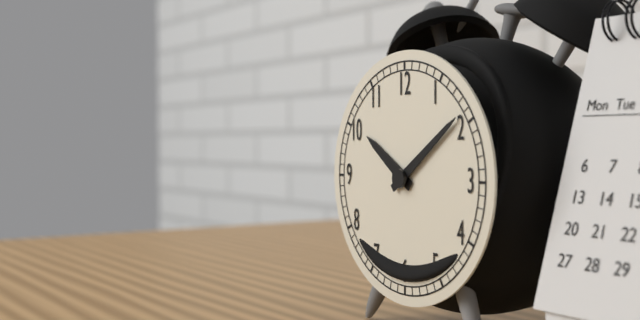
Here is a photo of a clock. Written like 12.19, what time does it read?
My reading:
10.09
